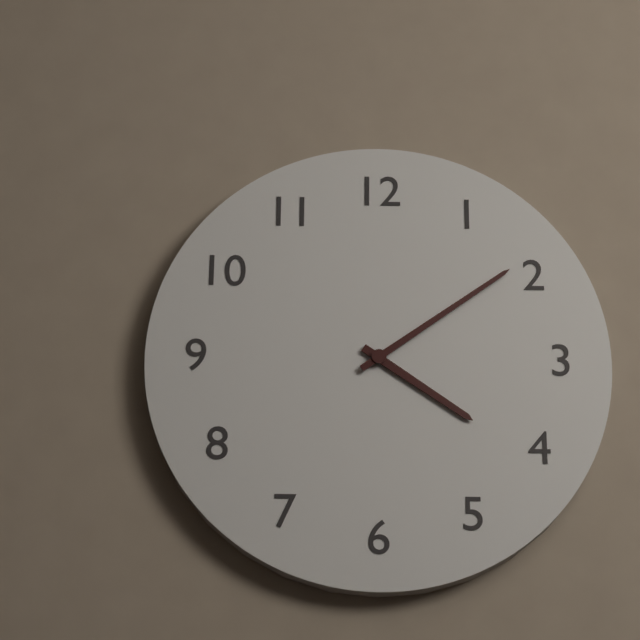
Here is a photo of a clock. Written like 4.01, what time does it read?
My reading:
4.09
